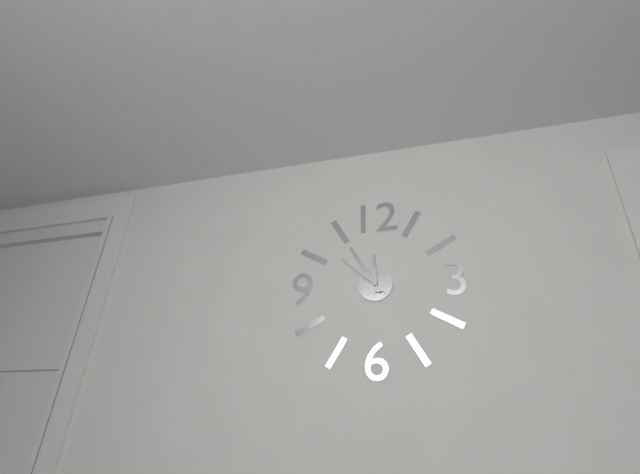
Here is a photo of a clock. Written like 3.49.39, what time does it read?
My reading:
11.55.52
